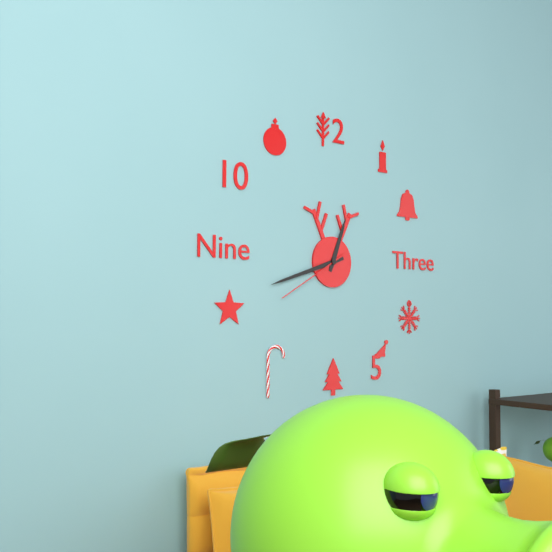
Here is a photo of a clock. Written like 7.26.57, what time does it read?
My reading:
12.42.40
